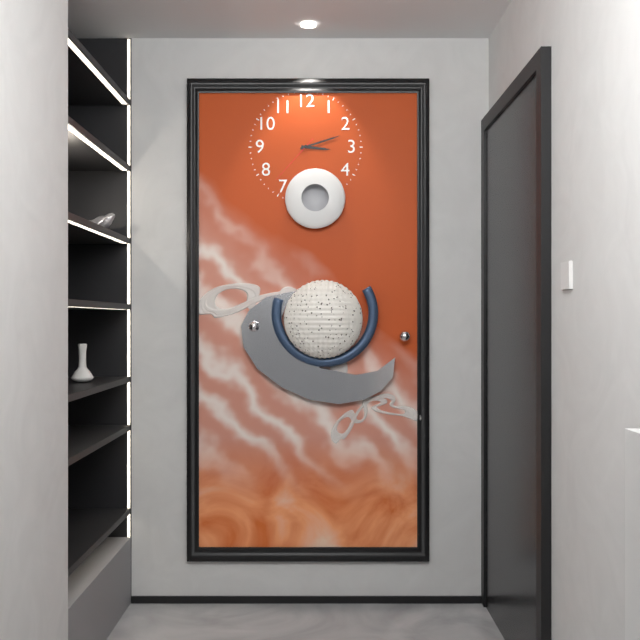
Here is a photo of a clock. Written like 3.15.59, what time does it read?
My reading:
3.12.37
